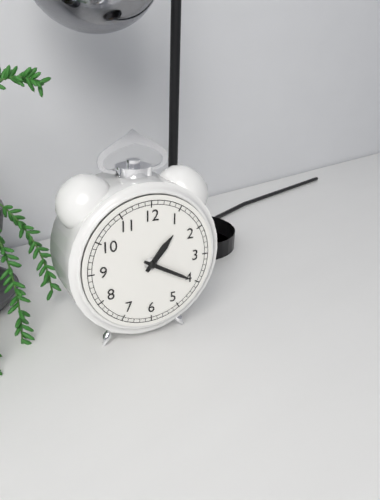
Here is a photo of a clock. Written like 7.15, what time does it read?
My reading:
1.20
